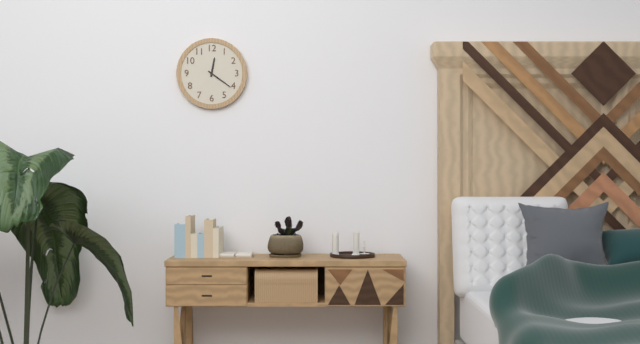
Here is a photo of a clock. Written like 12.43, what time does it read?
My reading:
12.21
